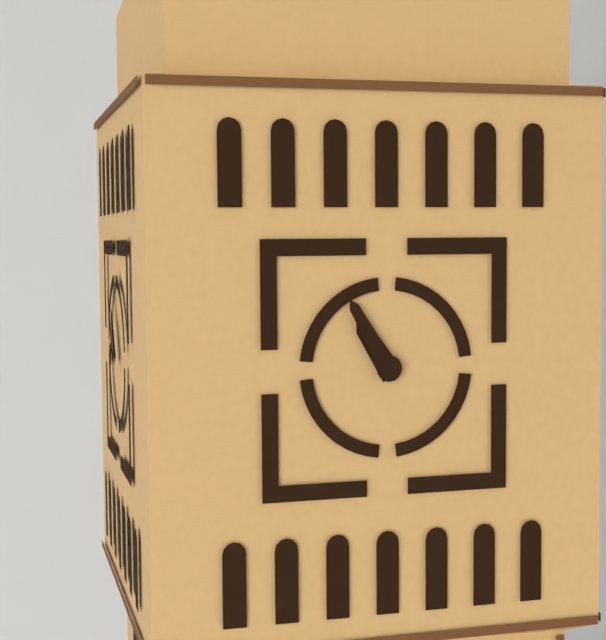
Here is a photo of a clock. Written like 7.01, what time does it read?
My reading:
10.55
